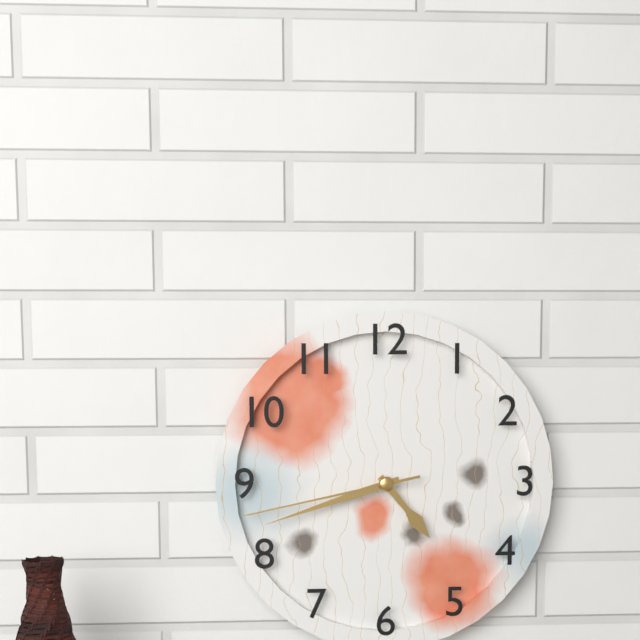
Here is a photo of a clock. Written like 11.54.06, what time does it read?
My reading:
4.42.43
